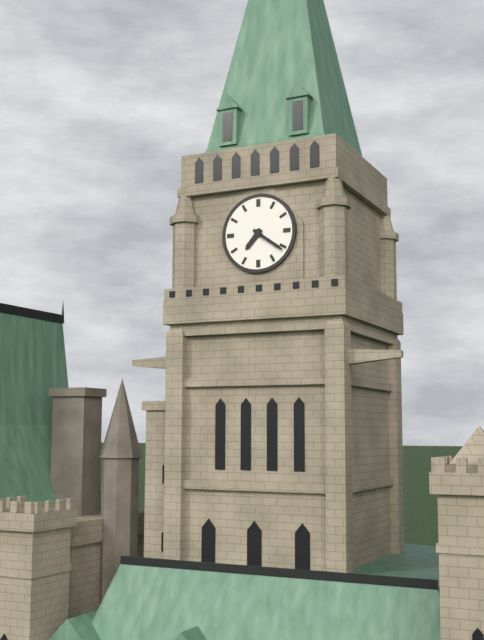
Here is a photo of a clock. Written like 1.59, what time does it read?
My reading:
7.21
